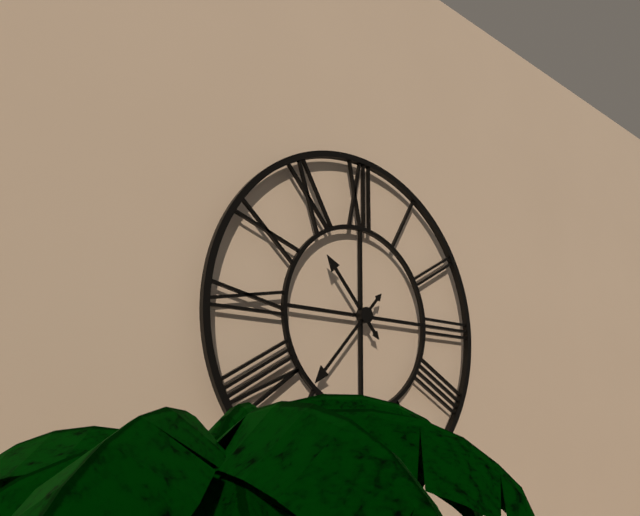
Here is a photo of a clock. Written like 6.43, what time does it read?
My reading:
10.37
